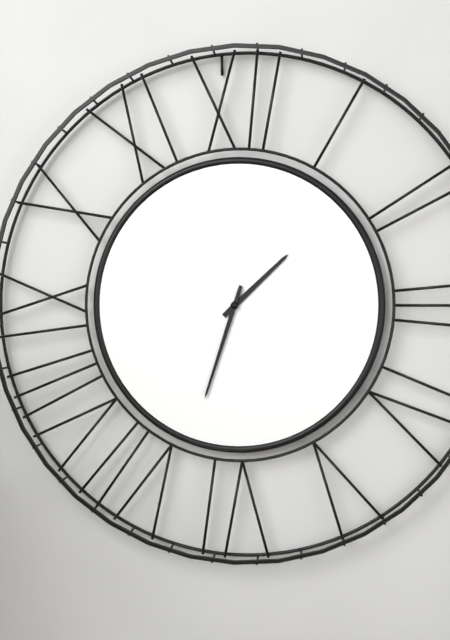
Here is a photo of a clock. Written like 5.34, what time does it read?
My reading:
1.33
